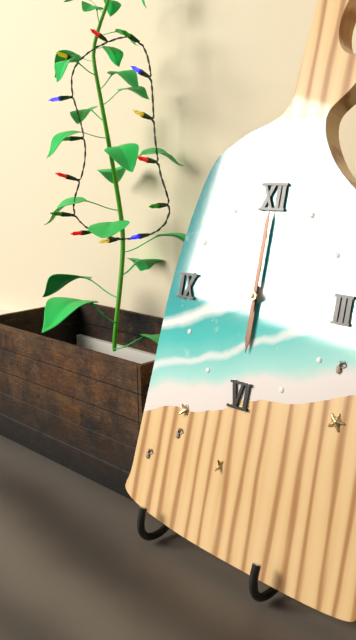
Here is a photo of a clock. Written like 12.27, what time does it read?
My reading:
6.00
